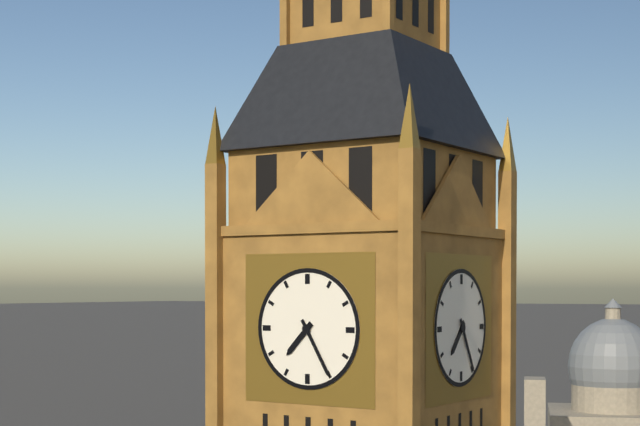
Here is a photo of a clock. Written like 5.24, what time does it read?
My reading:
7.25
